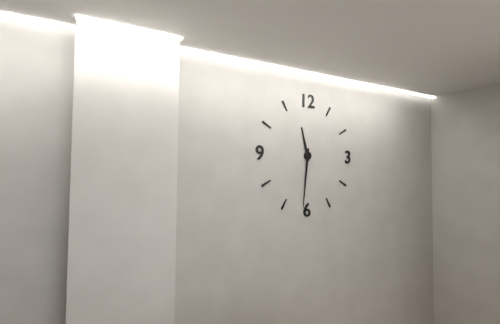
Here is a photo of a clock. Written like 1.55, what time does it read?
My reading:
11.31
